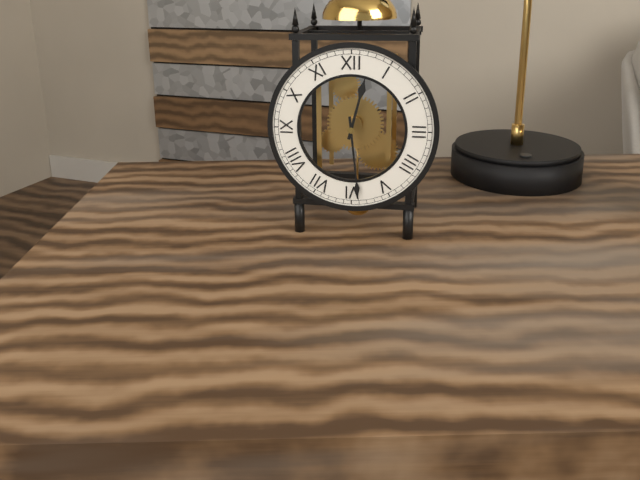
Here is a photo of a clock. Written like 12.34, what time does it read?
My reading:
12.29
